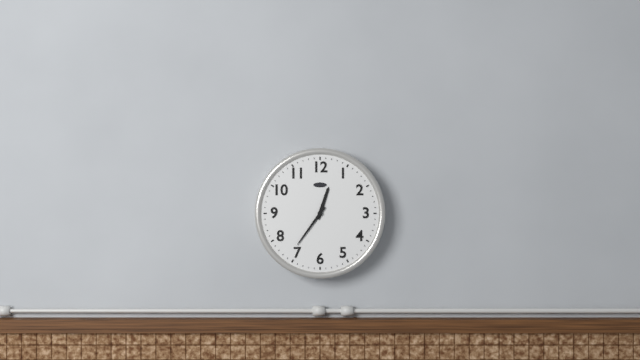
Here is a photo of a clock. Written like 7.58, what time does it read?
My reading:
12.36
